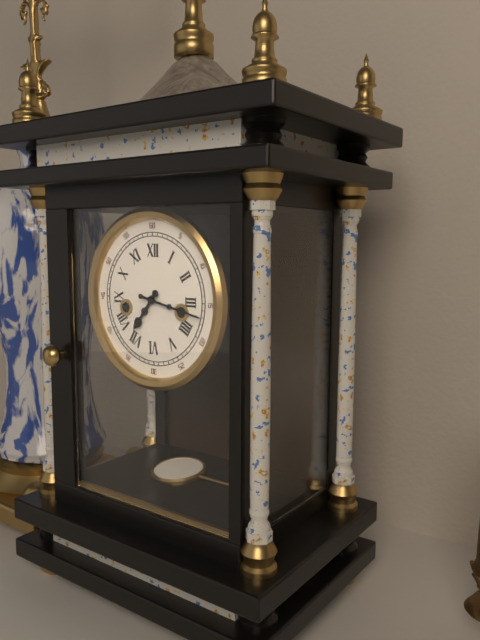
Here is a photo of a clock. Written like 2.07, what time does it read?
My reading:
7.17
